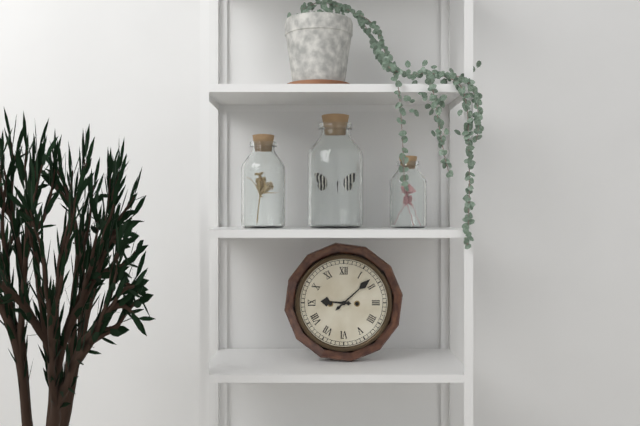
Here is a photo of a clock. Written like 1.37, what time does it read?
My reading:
9.08
